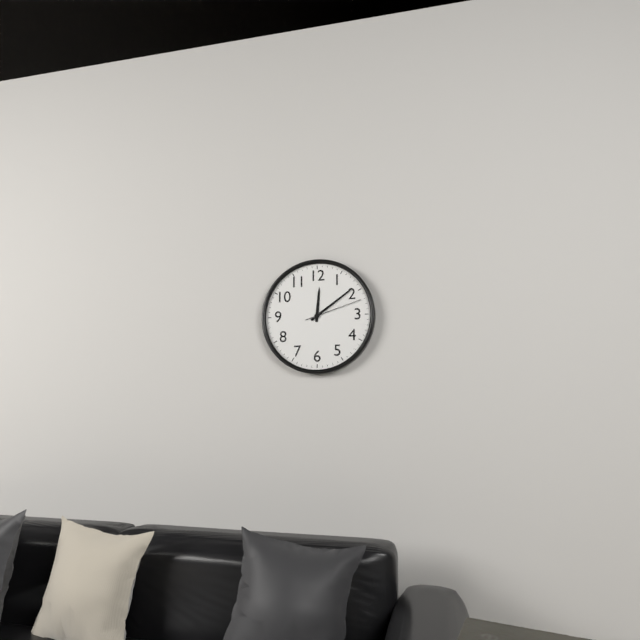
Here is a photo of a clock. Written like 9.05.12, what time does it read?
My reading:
12.09.12
